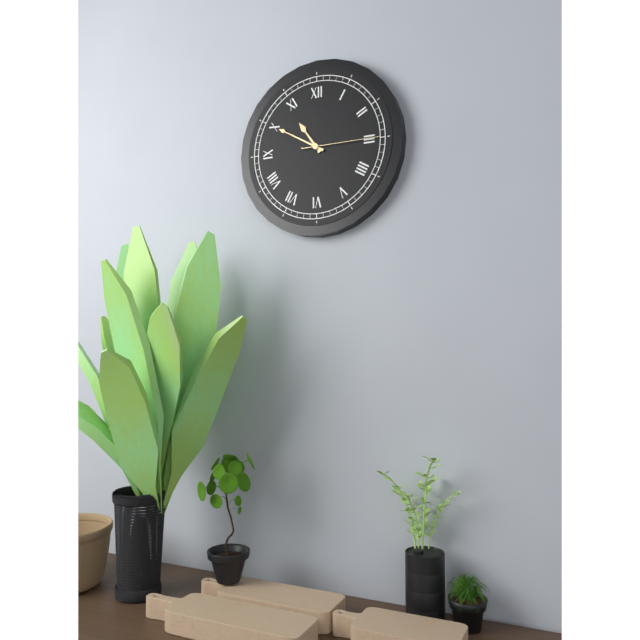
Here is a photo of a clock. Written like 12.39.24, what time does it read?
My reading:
10.50.15
